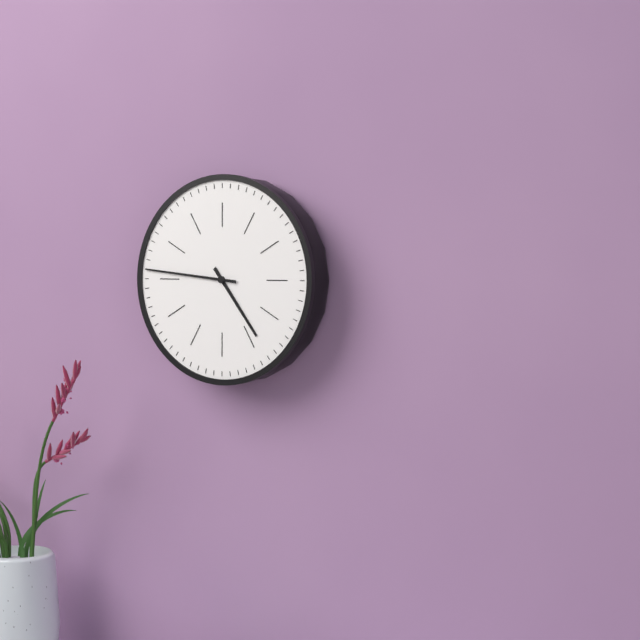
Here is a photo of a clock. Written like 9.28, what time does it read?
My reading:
4.46
